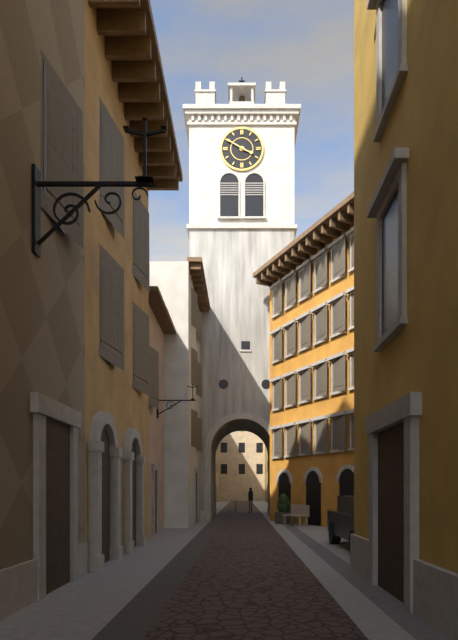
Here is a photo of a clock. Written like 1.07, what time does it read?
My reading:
3.50
